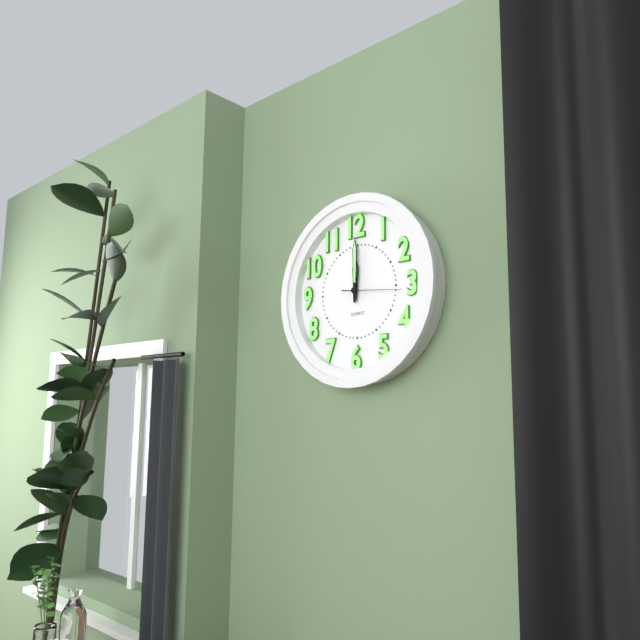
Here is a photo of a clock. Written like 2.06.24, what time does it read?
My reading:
12.00.16
